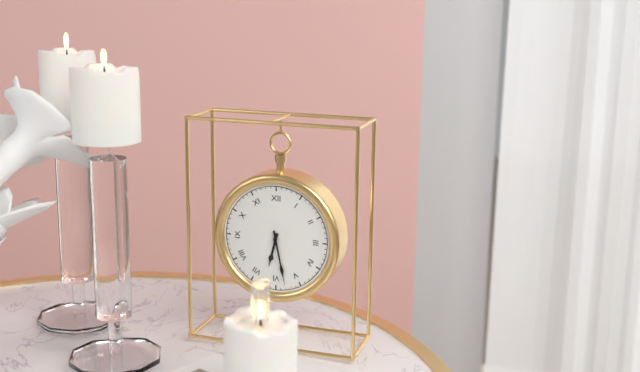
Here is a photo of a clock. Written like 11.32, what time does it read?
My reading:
6.28
